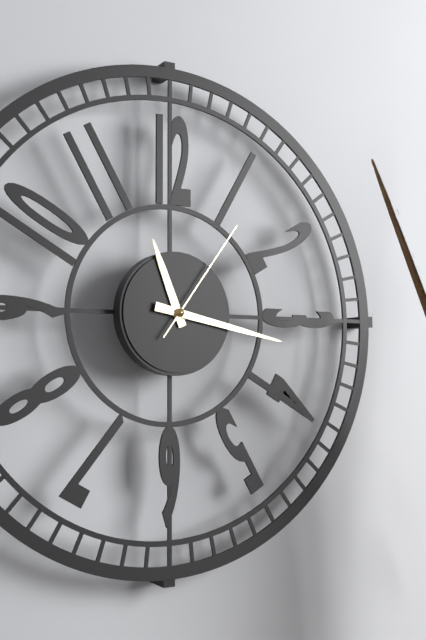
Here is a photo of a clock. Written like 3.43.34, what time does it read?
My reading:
11.17.06
